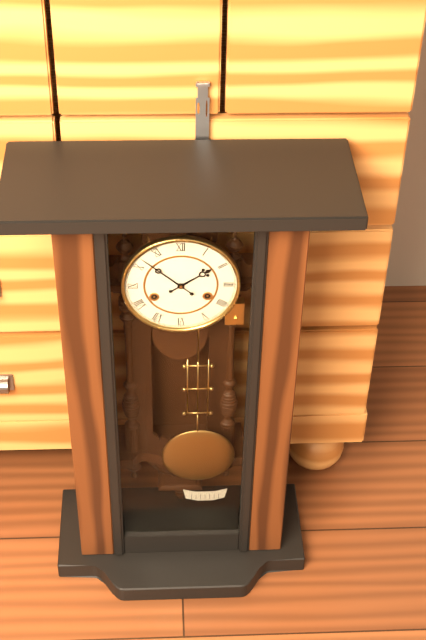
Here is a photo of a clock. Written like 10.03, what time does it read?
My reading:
1.52
